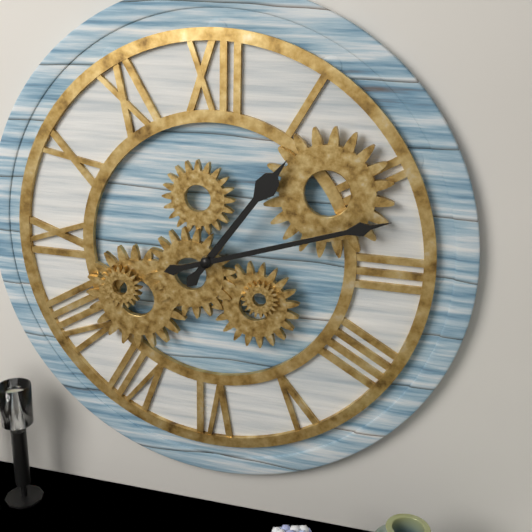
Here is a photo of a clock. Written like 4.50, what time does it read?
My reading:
1.12
